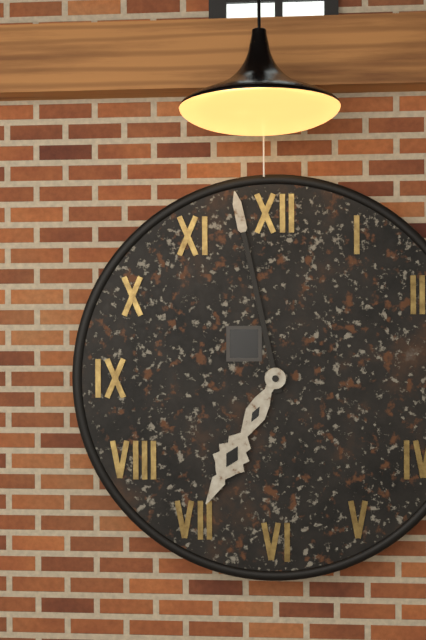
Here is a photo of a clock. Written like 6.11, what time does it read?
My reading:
6.58
